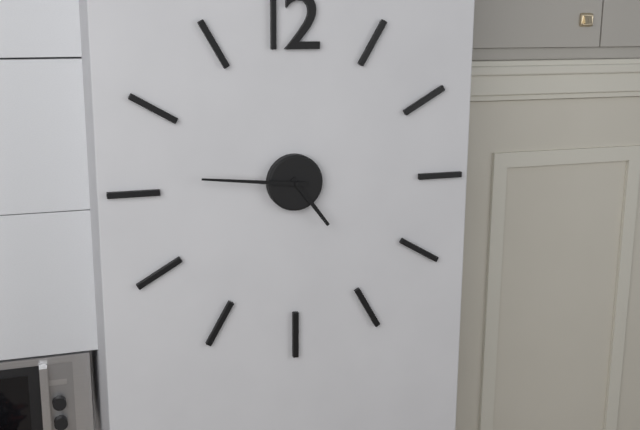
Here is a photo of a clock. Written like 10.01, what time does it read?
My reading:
4.46
